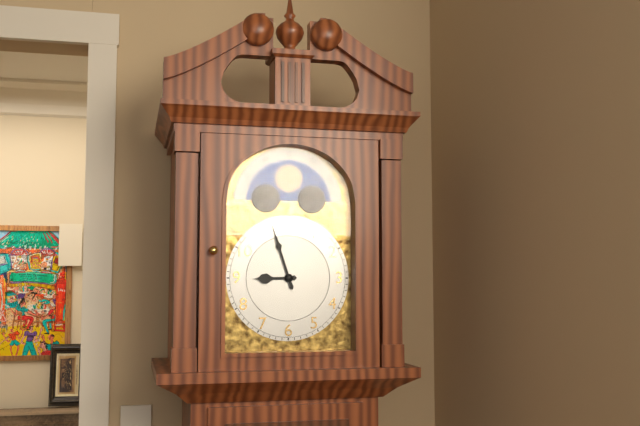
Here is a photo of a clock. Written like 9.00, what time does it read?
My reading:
8.57
